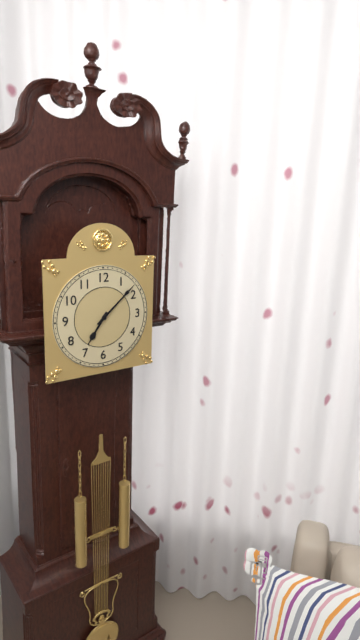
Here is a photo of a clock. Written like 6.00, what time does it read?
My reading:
7.08
